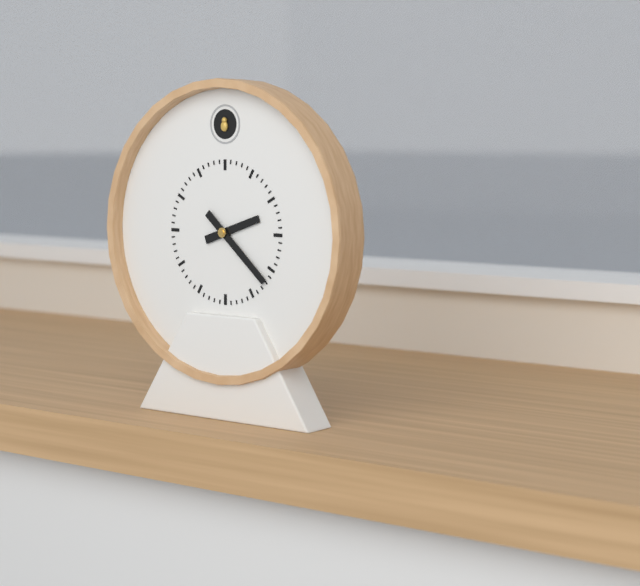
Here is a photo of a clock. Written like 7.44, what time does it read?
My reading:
2.22
